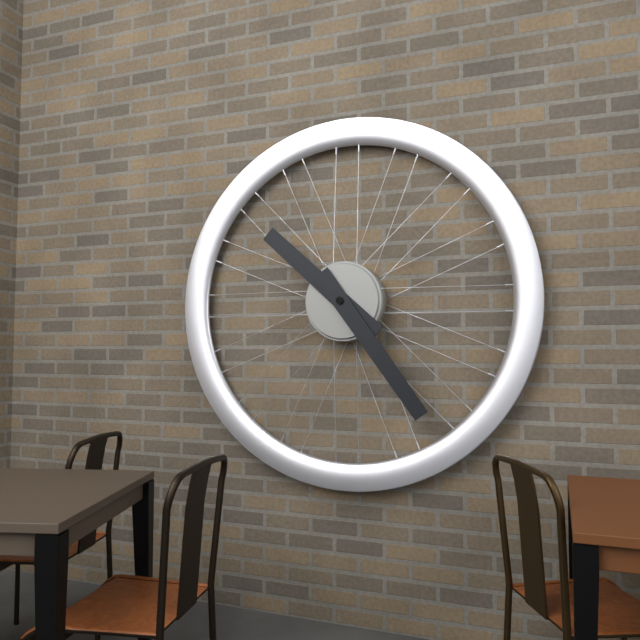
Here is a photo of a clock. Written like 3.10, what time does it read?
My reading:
10.24
